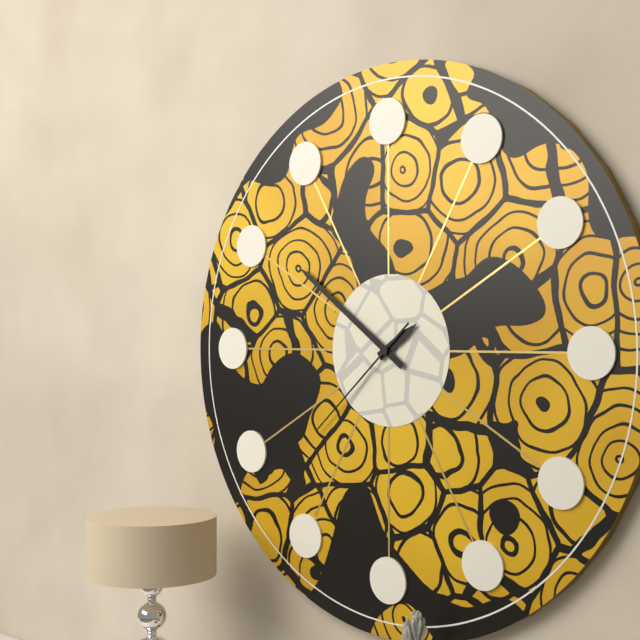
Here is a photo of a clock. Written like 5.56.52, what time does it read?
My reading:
1.51.38
